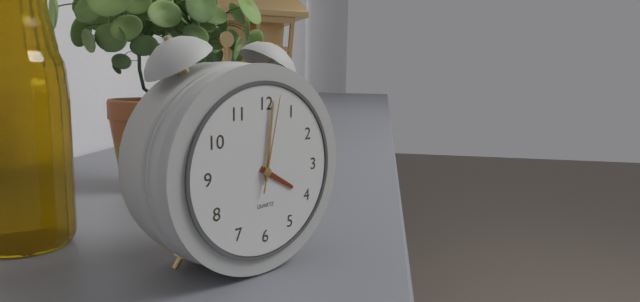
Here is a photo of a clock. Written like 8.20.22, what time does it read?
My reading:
4.01.02
